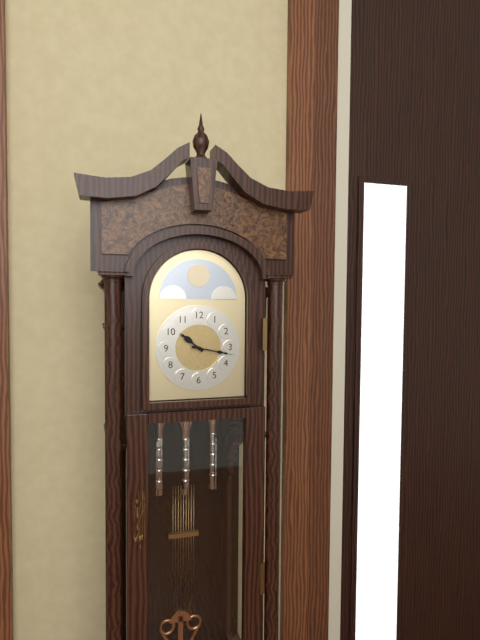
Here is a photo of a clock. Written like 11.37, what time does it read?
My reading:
10.17
